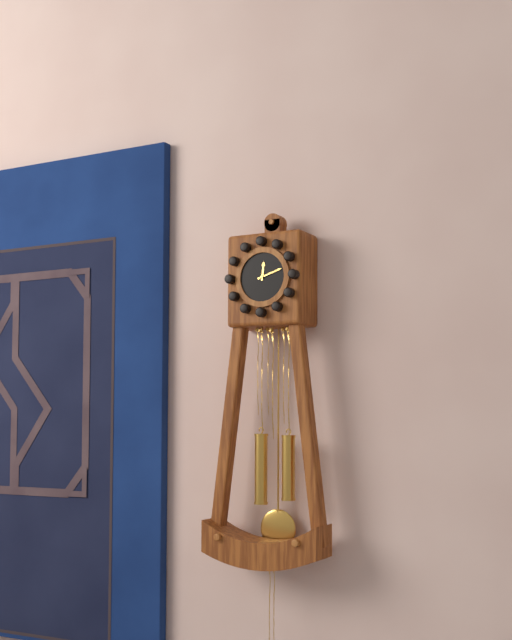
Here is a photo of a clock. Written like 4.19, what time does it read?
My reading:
12.12
